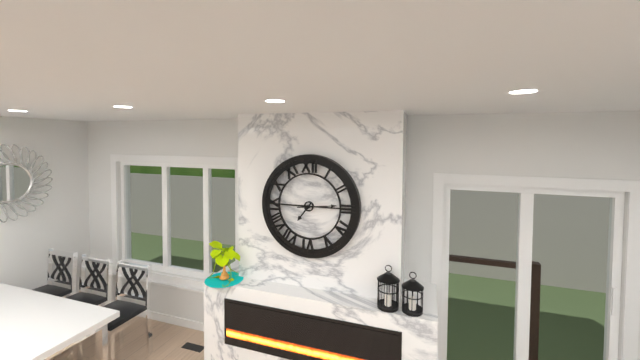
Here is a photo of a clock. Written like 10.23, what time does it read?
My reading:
7.14
